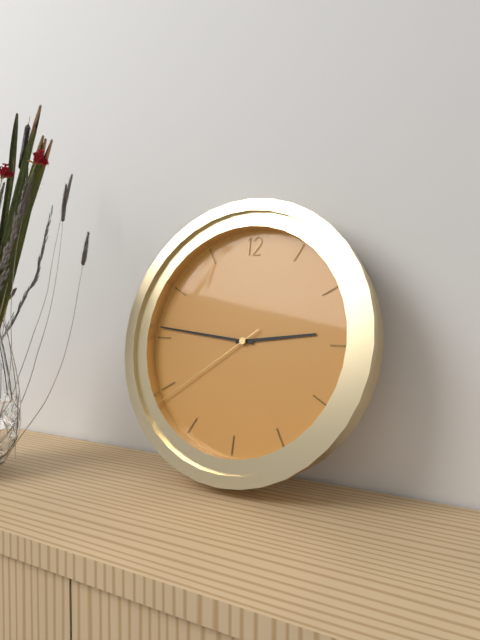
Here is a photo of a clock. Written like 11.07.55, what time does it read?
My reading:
2.46.39
